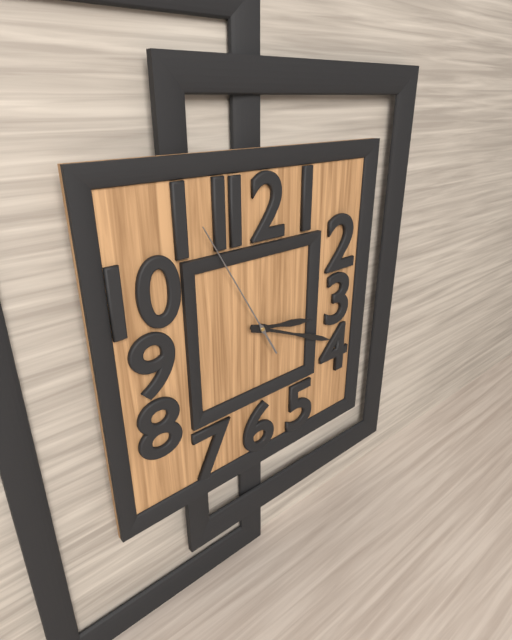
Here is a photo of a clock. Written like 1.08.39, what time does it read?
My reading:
3.19.55
